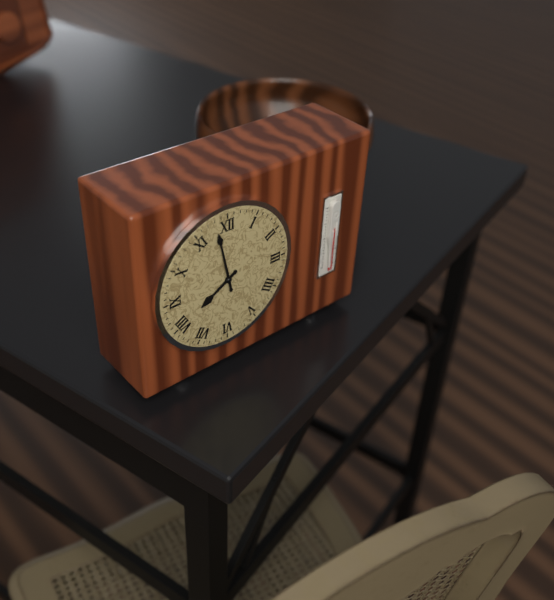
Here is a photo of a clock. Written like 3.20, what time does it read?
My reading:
7.58
